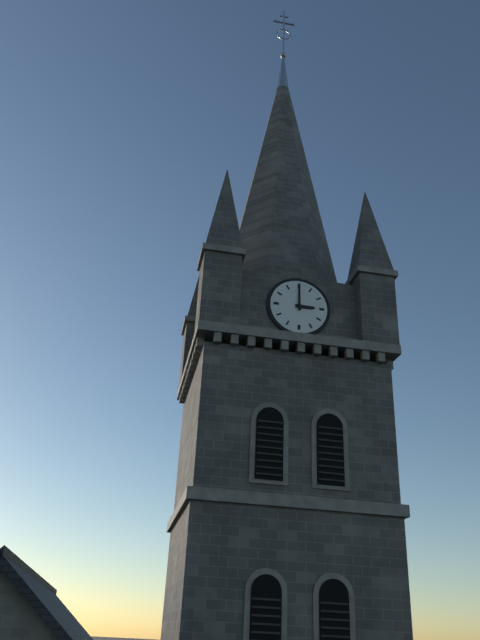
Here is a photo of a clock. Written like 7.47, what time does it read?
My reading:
3.00
